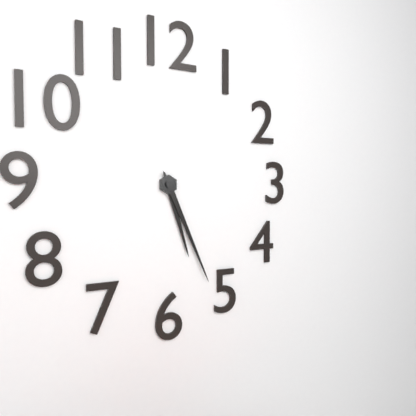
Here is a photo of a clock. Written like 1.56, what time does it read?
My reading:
5.26
